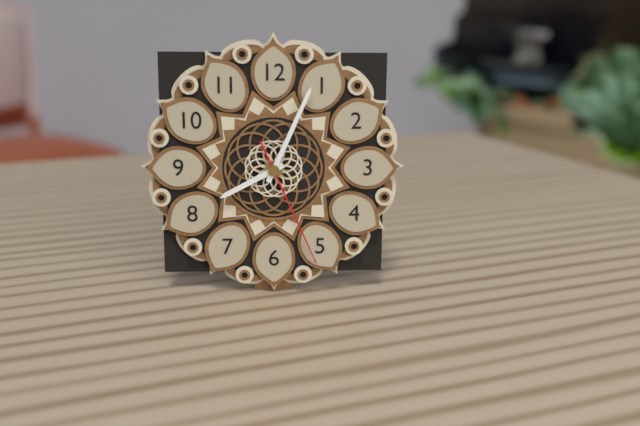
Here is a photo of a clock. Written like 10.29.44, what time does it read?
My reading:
8.04.26
